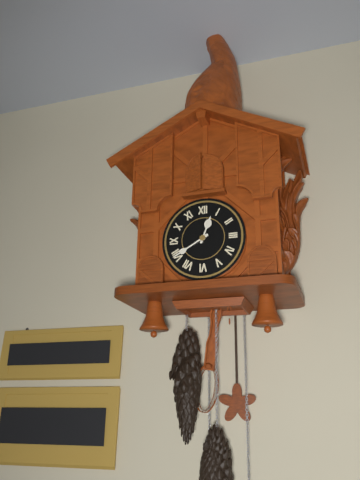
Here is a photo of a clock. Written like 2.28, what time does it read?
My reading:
12.40
